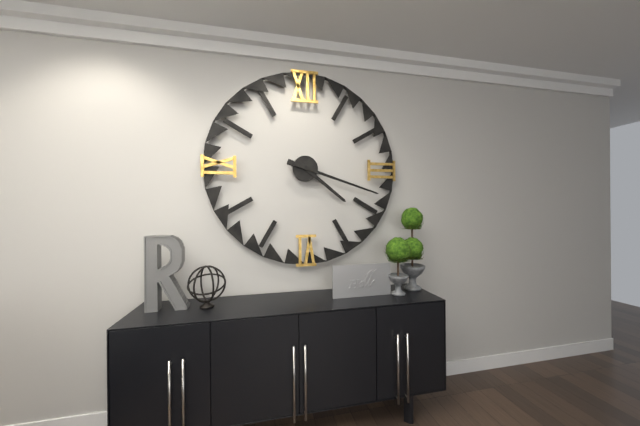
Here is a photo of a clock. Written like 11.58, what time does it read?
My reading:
4.18
